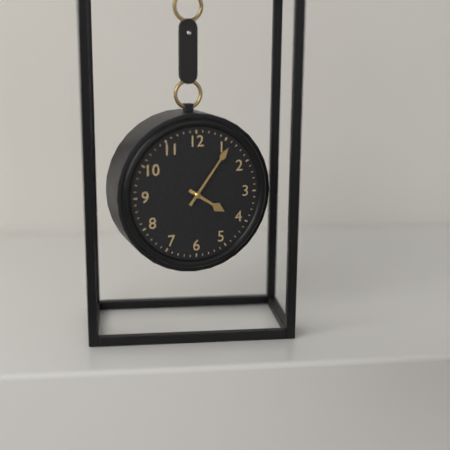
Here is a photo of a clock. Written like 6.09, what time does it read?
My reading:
4.06
